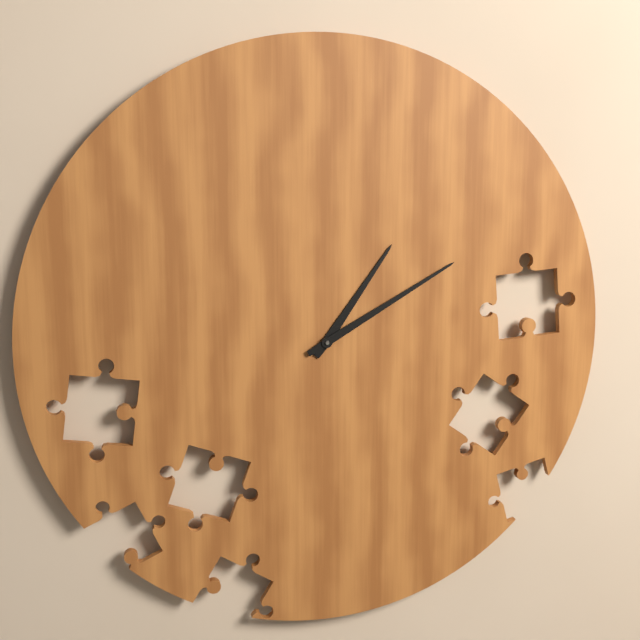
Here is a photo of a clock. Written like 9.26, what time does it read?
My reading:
1.10
